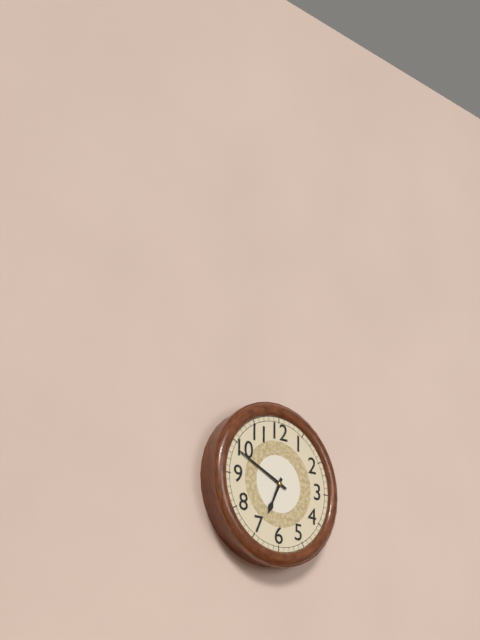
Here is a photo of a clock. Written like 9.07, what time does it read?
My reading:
6.49
